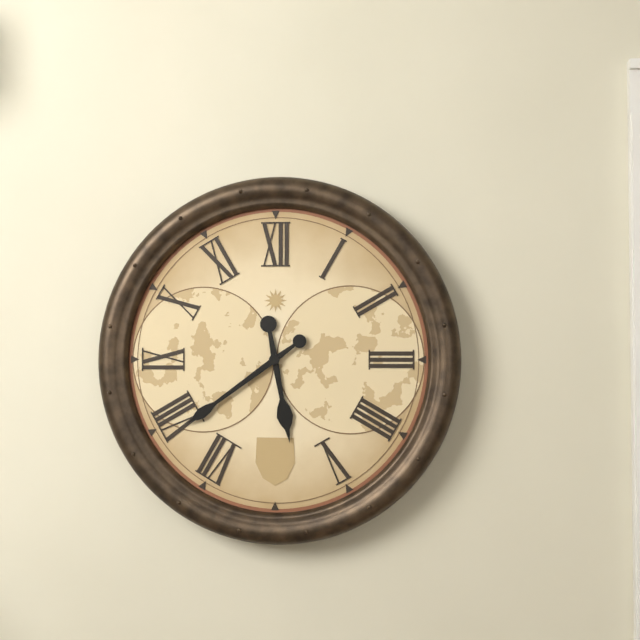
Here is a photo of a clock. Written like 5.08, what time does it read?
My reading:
5.39
